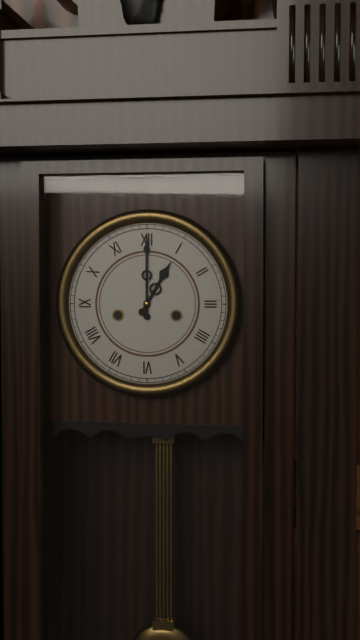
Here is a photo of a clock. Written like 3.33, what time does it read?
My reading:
1.00
